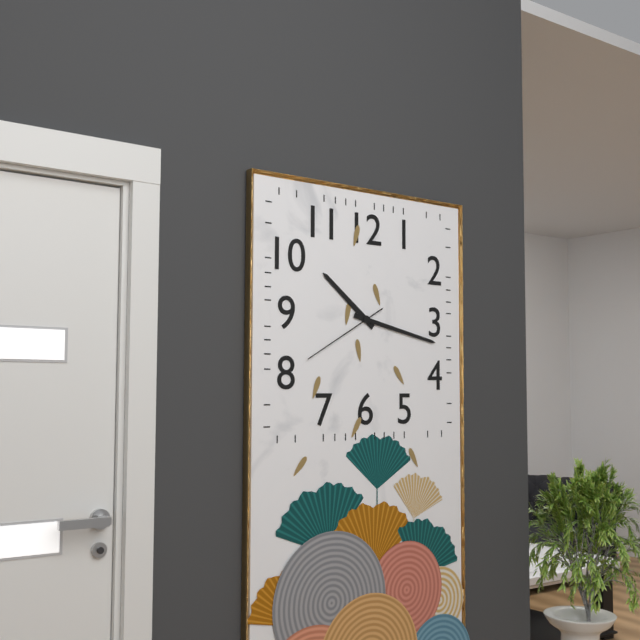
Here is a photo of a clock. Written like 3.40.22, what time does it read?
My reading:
10.17.40
